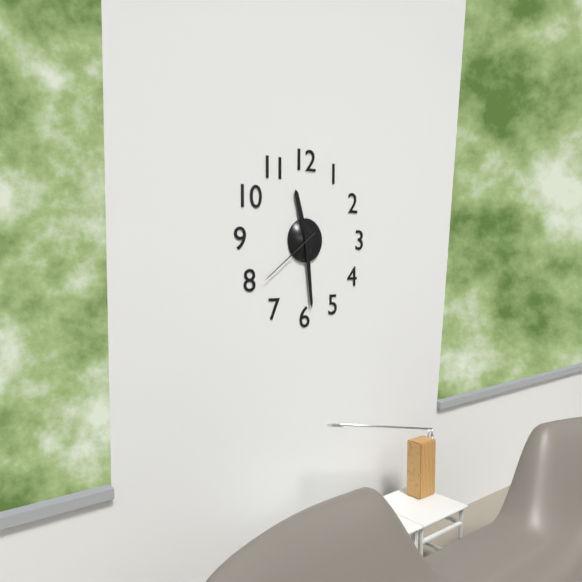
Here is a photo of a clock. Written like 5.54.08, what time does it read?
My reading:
11.29.39
